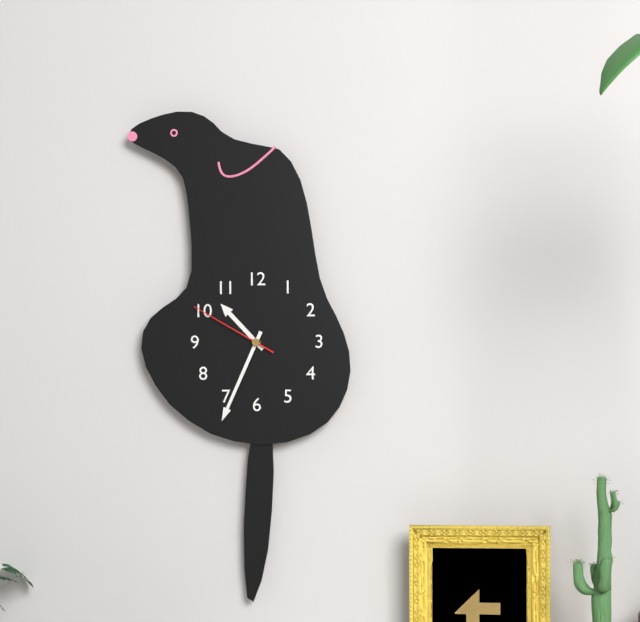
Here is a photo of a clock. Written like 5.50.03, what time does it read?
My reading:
10.34.50
